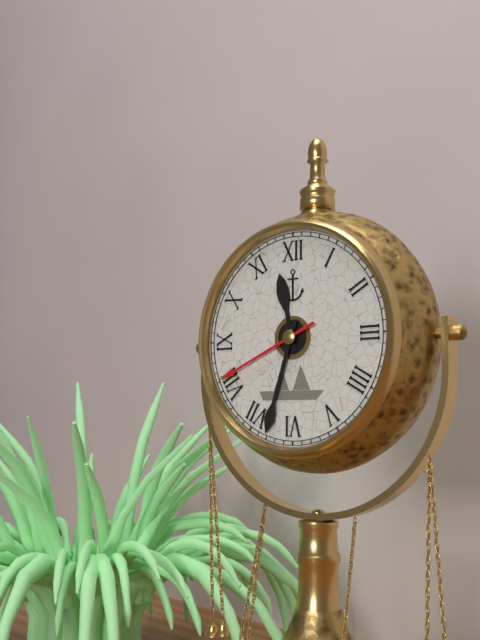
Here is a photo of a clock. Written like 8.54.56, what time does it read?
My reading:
11.33.41
